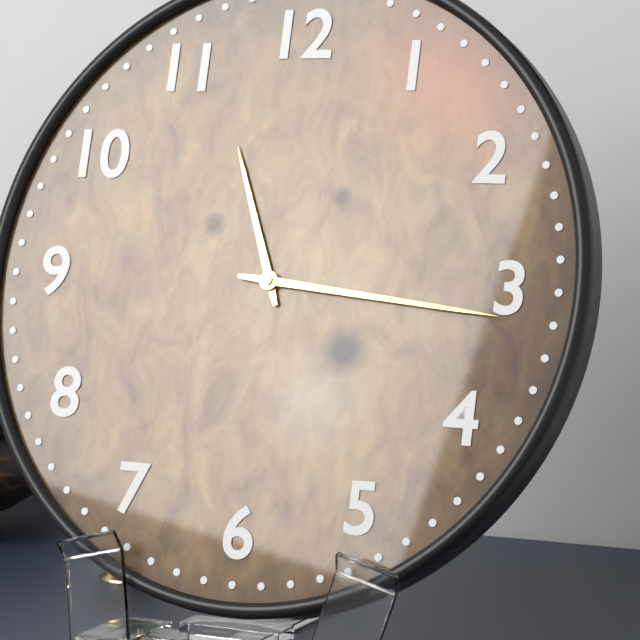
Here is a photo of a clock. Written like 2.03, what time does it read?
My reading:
11.16
